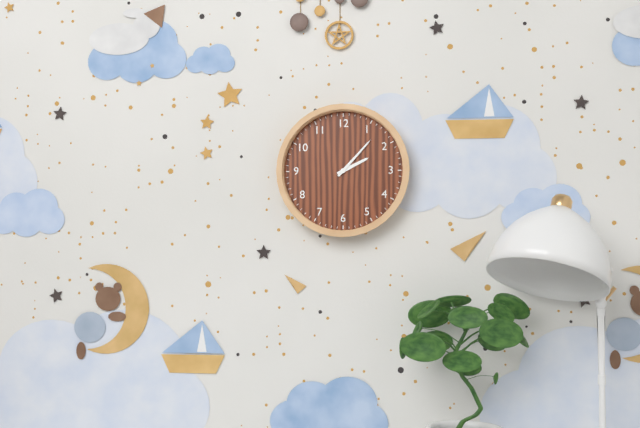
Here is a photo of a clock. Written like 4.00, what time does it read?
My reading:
2.07
